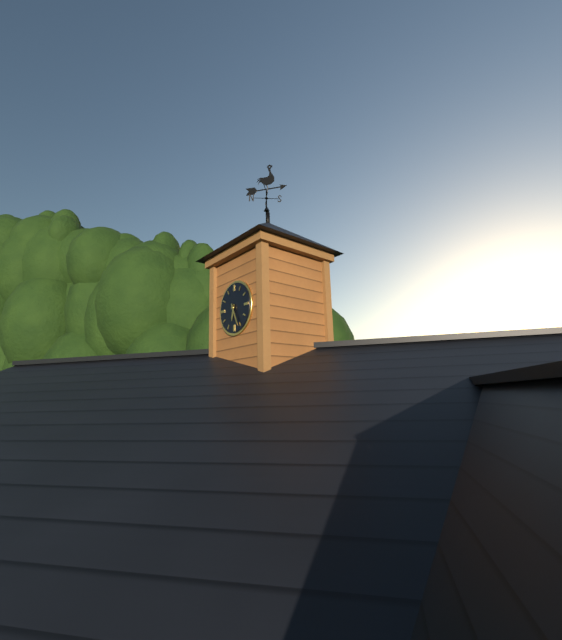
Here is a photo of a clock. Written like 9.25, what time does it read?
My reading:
6.26
